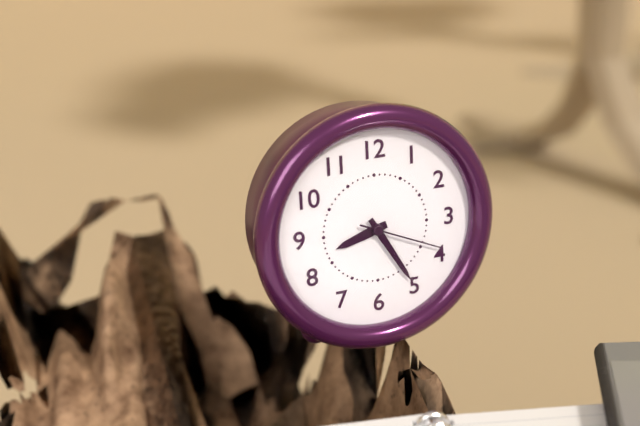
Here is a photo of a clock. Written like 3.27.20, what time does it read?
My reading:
8.25.19
